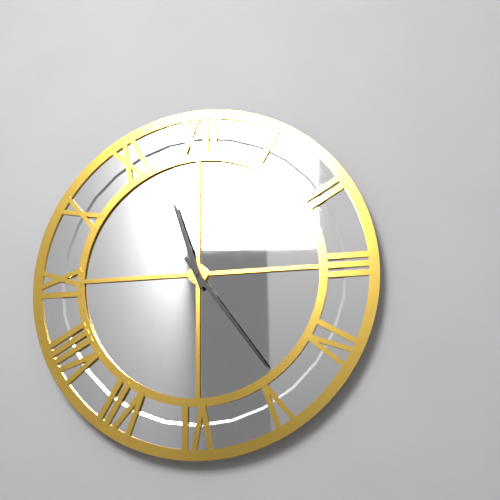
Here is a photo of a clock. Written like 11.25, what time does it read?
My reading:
11.24
